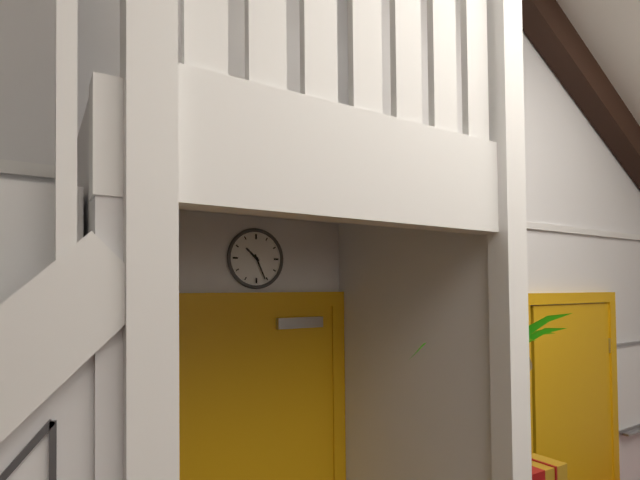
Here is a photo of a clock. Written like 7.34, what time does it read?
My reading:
10.26
